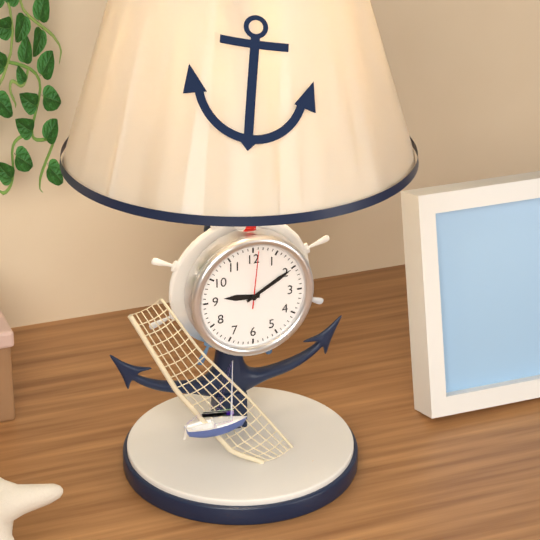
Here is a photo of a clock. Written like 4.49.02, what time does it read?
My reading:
9.10.01
